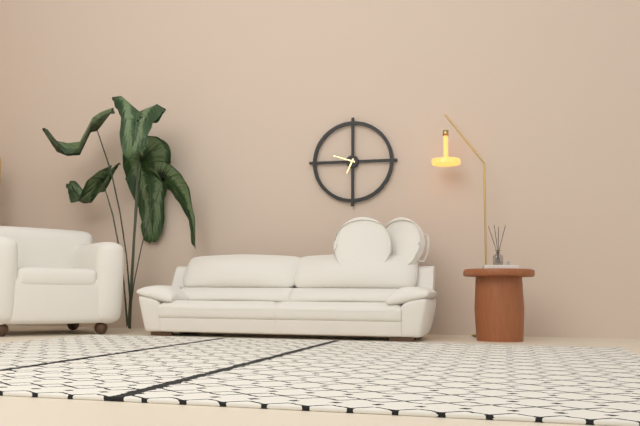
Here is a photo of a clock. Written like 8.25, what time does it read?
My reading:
6.48
